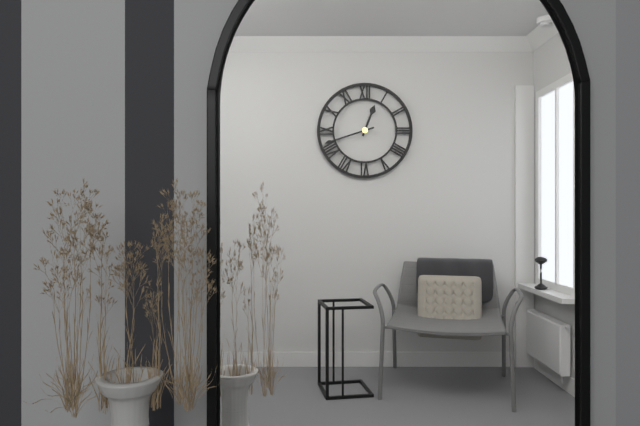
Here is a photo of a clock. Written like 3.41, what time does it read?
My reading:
12.42
